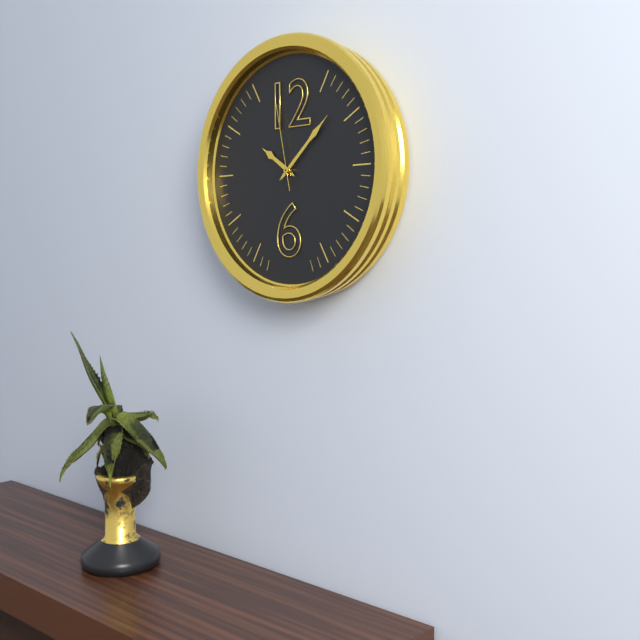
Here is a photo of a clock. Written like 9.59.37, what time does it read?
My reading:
10.08.58
